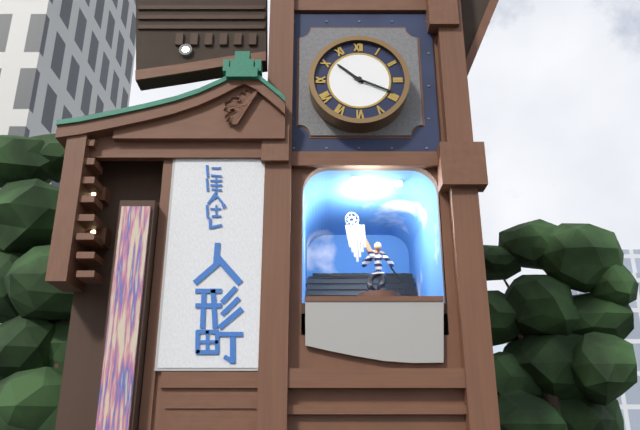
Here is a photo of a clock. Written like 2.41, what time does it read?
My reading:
10.19
